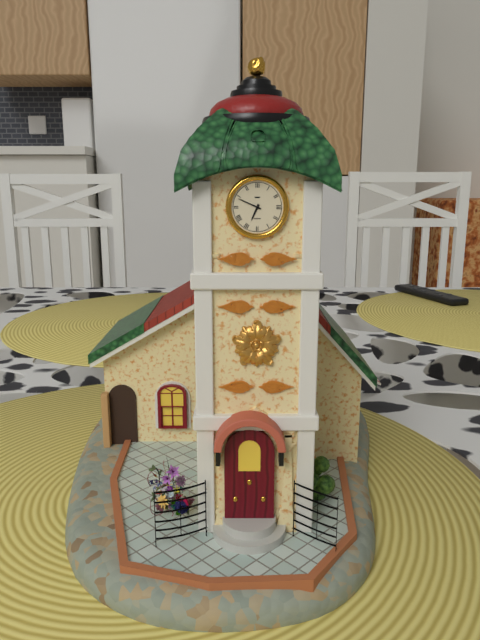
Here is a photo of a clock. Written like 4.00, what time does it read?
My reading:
6.49
